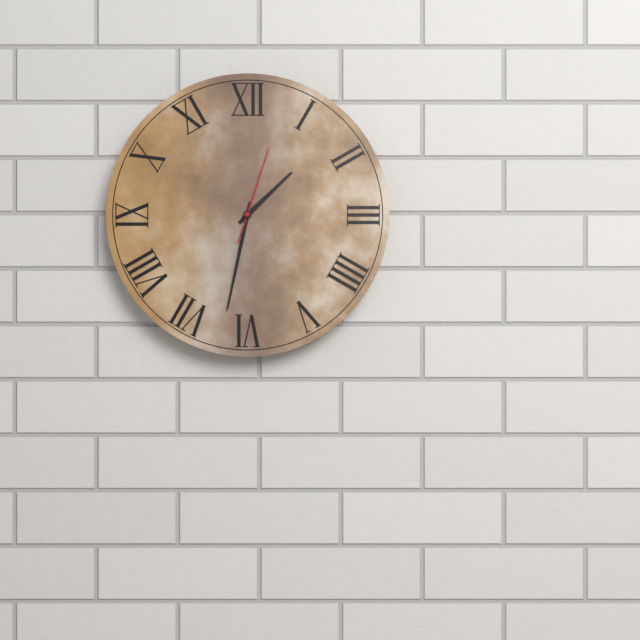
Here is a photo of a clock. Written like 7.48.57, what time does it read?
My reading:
1.32.03
